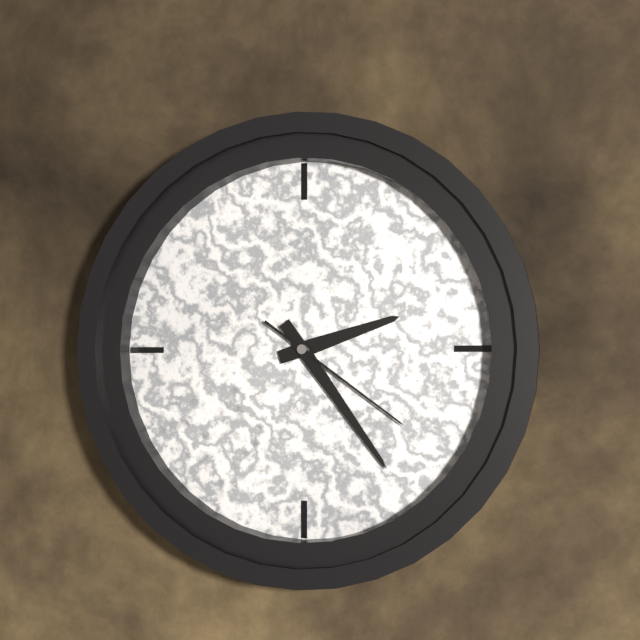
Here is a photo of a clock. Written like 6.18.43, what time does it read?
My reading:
2.24.21
